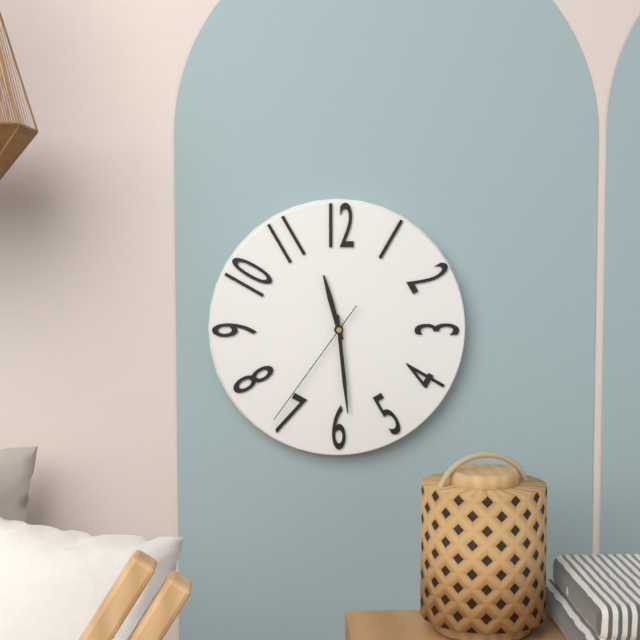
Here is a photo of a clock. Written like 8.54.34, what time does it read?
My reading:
11.29.36
